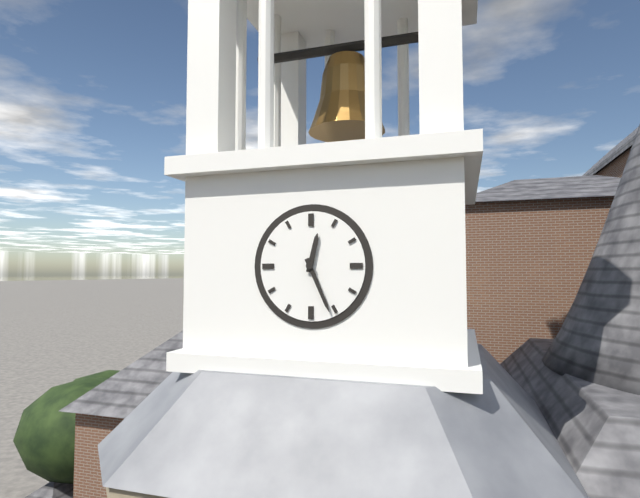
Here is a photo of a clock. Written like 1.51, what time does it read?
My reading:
12.26
